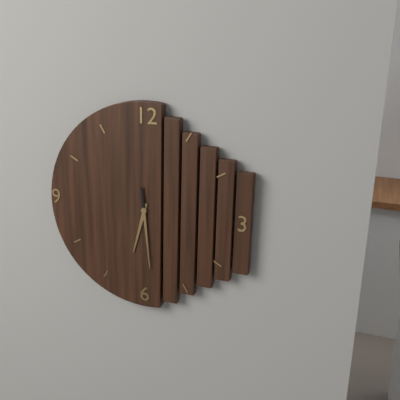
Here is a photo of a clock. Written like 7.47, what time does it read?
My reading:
6.29
